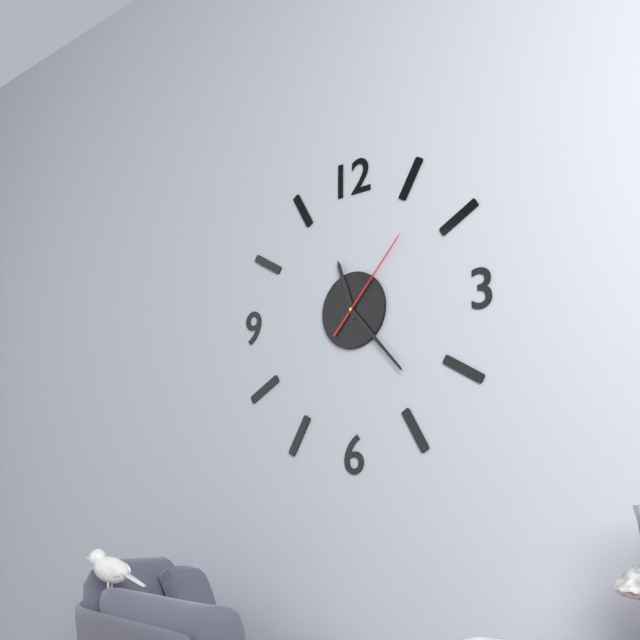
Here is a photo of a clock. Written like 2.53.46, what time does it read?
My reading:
11.23.07
